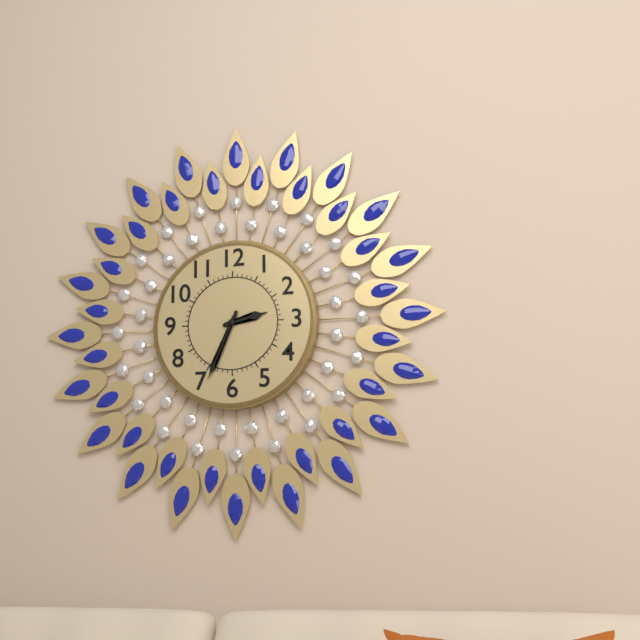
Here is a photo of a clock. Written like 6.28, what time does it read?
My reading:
2.34
